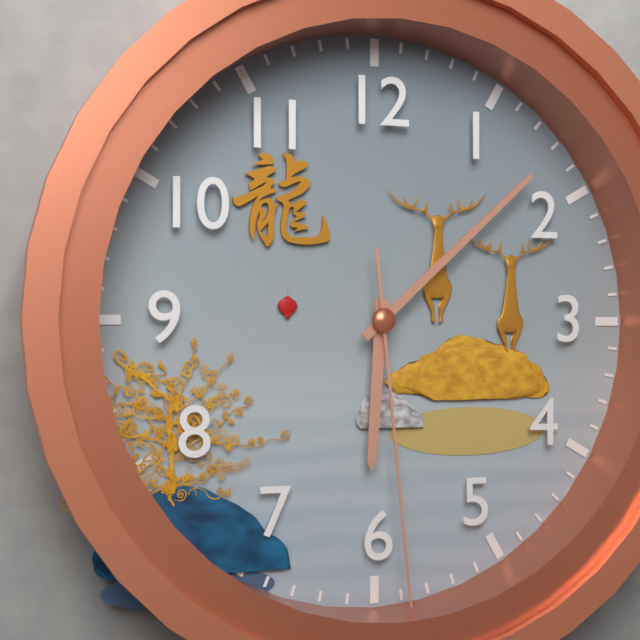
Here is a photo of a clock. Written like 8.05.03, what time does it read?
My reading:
6.08.29
